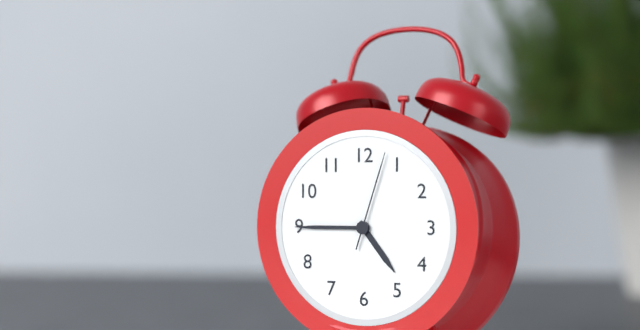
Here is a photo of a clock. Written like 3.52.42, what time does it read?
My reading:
4.45.03
